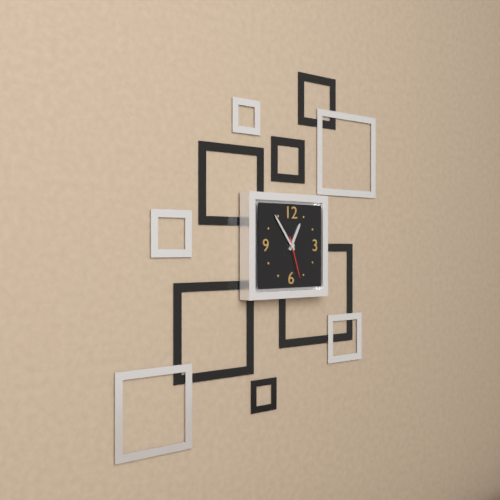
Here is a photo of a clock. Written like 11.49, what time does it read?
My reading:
12.54
